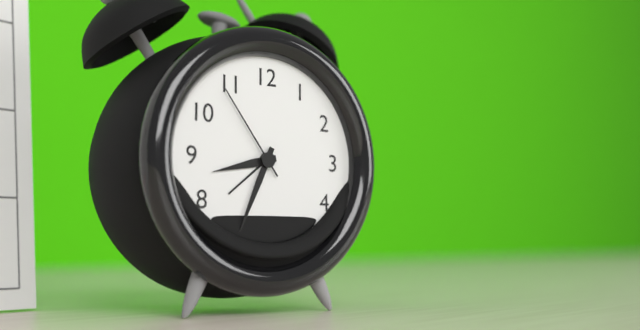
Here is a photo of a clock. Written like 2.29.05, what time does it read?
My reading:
8.34.54
